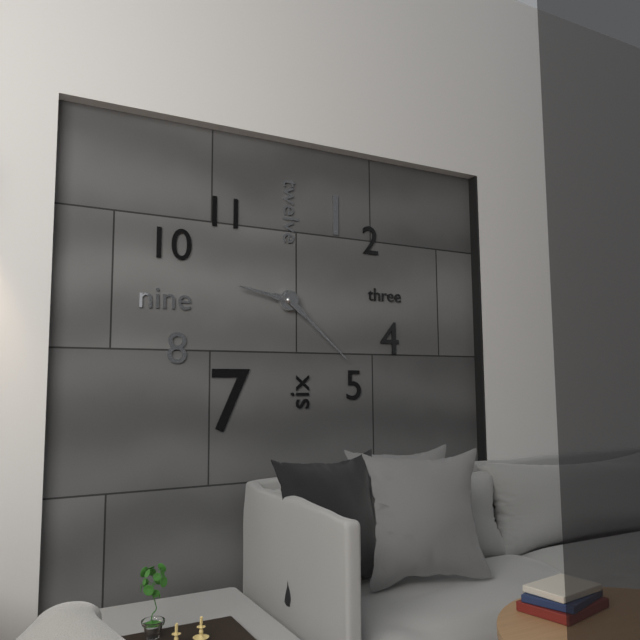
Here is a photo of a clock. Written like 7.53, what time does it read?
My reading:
9.22
